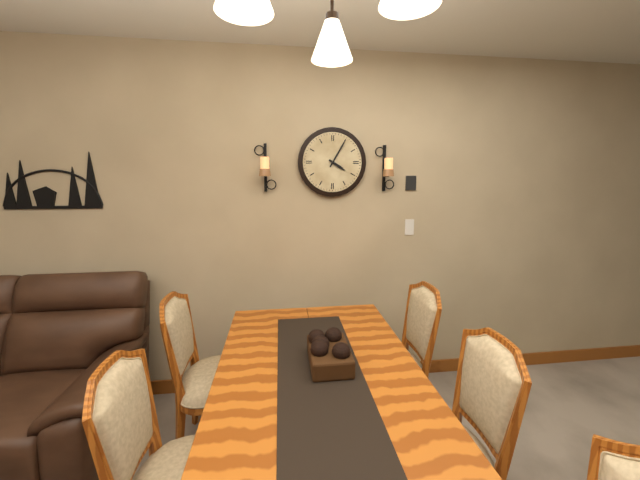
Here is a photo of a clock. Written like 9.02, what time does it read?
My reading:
4.05
